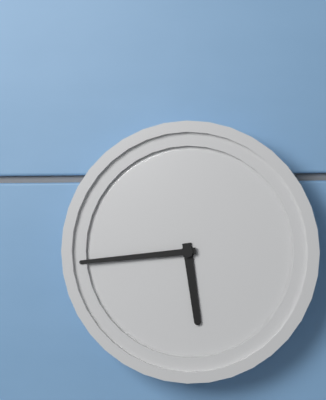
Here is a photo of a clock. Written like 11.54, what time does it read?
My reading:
5.44
